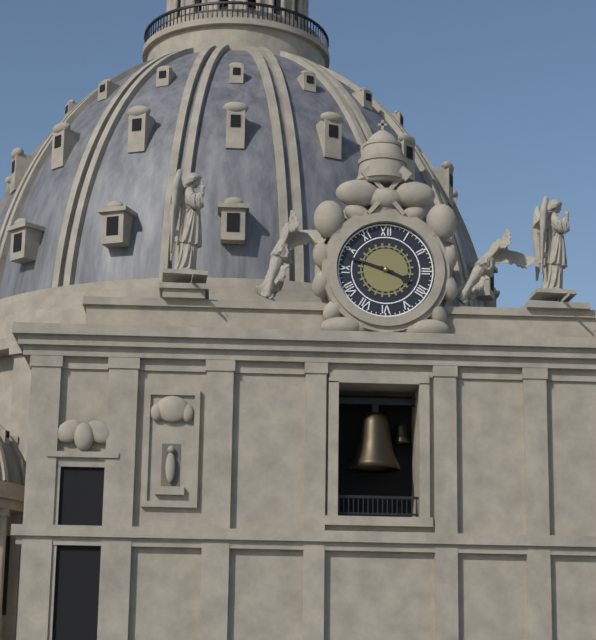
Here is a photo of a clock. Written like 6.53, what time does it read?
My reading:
3.48
